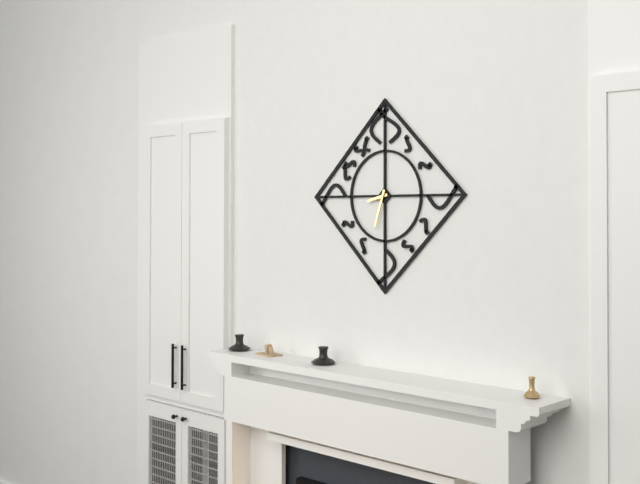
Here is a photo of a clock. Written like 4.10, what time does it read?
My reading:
8.33
